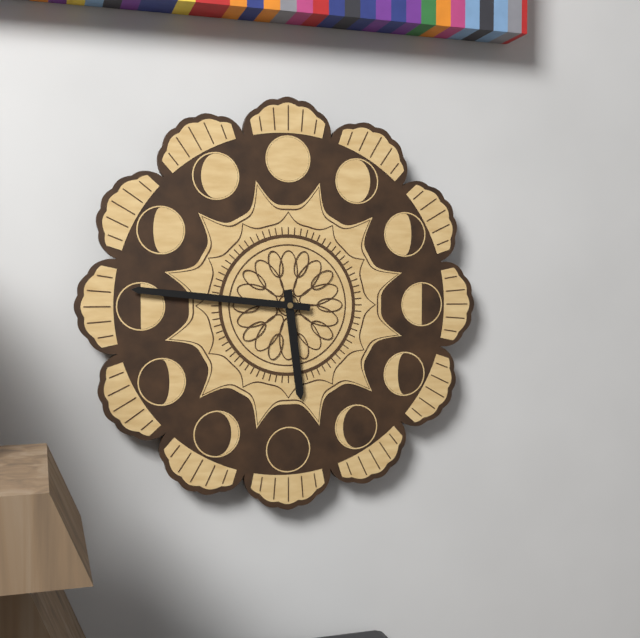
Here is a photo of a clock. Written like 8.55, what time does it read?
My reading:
5.46
